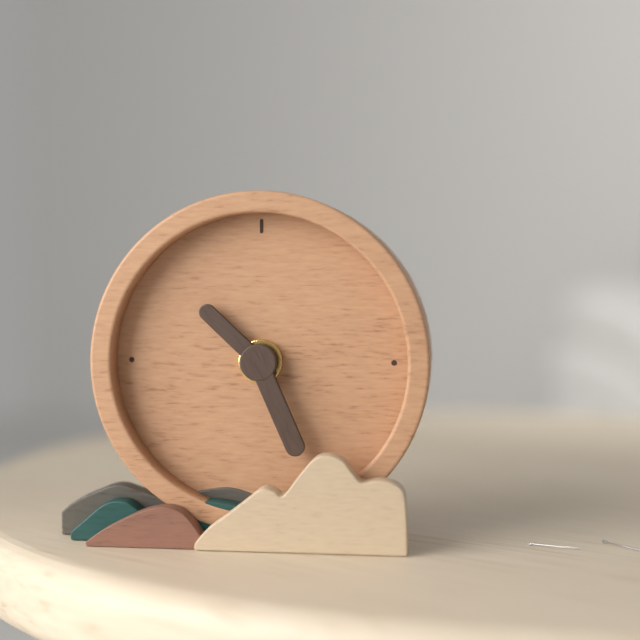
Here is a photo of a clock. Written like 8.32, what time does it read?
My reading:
10.26
